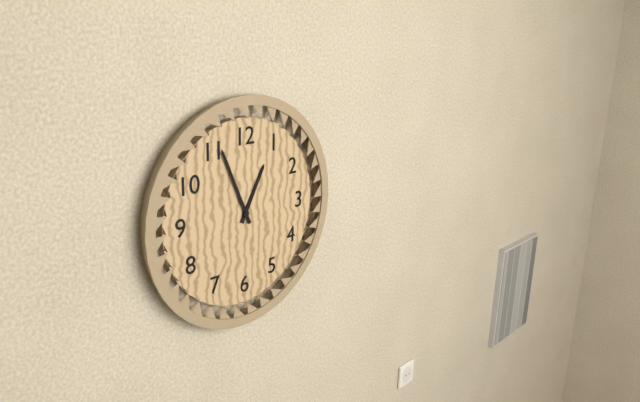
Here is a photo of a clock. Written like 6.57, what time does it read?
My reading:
12.56
